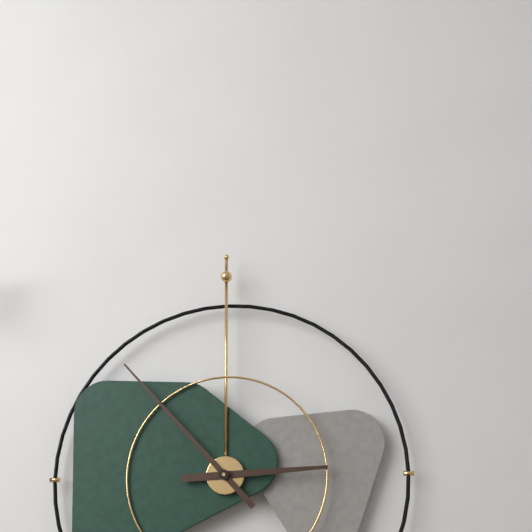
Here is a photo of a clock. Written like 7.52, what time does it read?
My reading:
2.53
